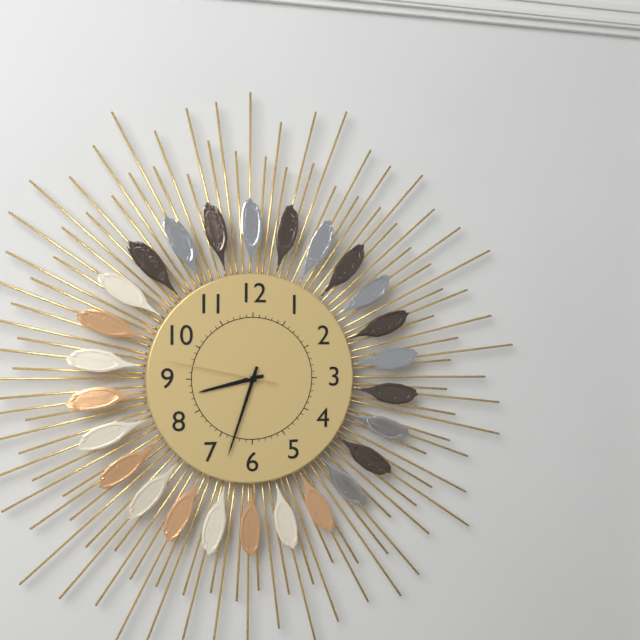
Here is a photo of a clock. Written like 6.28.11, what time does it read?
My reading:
8.33.47
